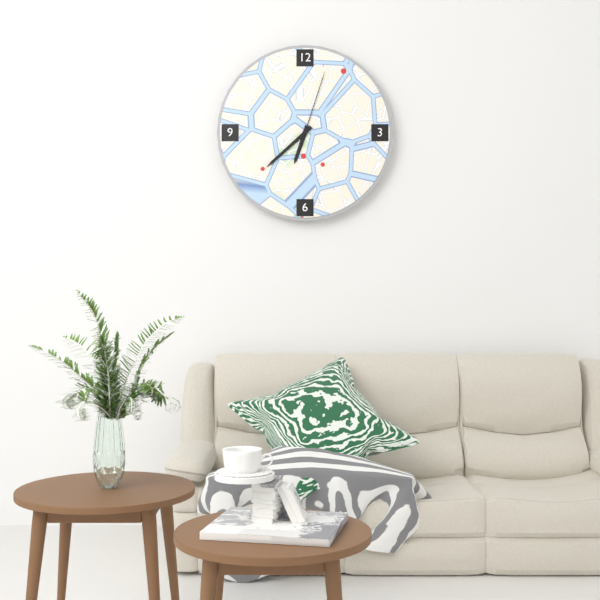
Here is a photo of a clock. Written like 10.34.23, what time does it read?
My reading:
6.38.03
